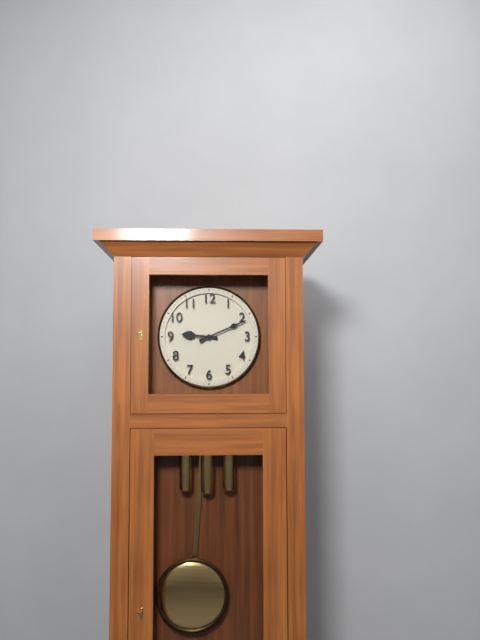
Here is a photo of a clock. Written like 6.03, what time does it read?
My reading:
9.11
